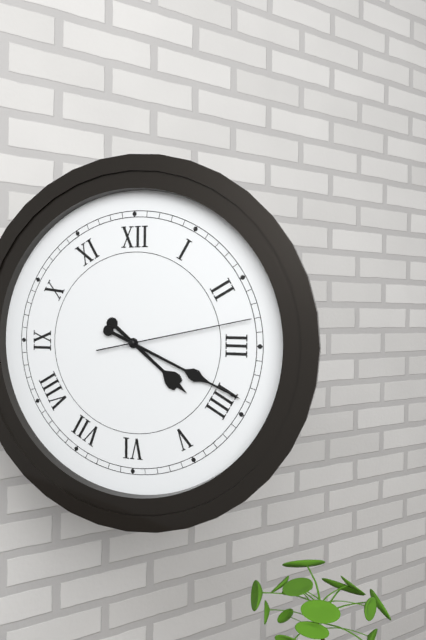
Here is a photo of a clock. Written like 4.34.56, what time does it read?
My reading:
4.19.13
